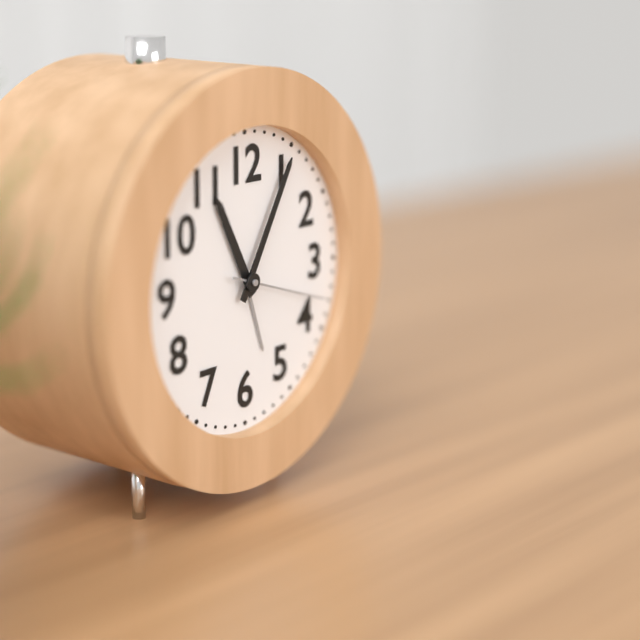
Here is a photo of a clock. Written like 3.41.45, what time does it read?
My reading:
11.05.18
